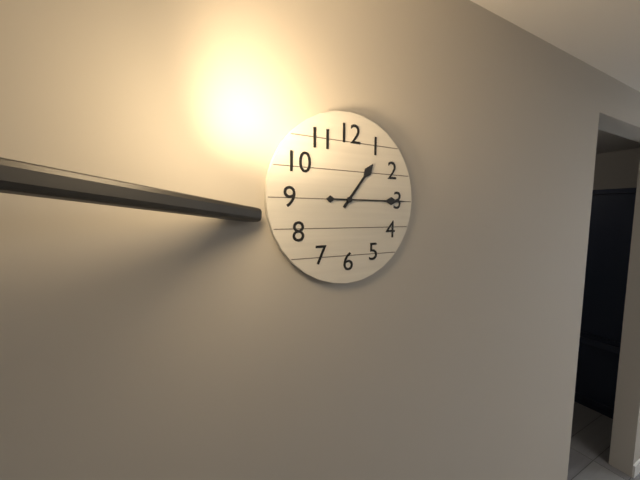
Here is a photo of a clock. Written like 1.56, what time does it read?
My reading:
1.15
